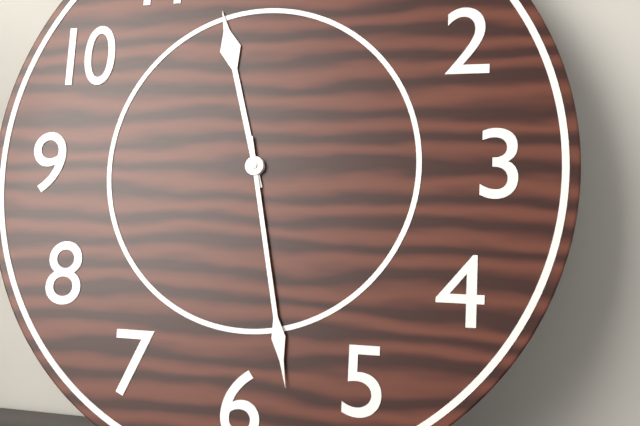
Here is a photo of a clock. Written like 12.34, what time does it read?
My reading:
11.28
